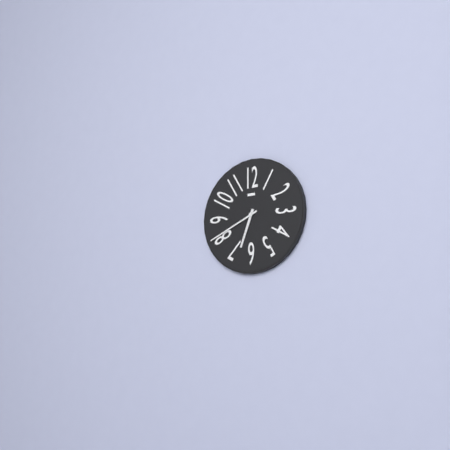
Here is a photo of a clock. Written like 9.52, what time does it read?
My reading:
6.41
